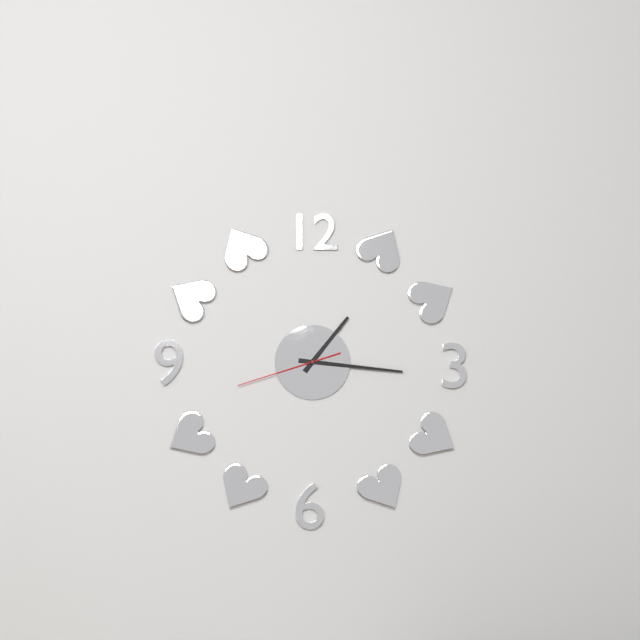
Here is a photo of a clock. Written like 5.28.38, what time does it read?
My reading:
1.16.42
